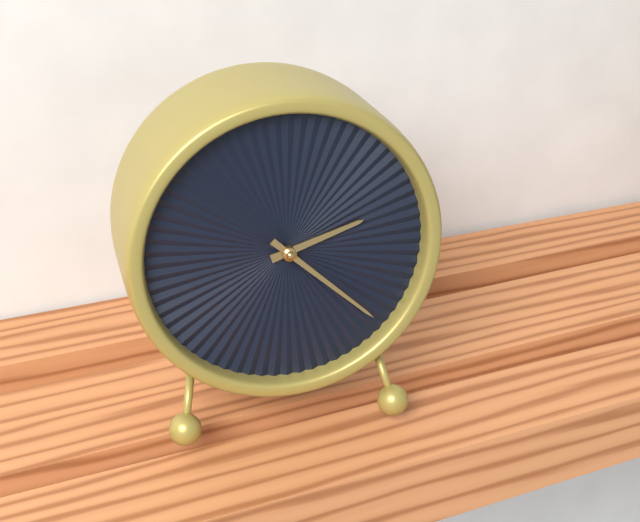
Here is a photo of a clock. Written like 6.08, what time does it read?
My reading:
2.22
